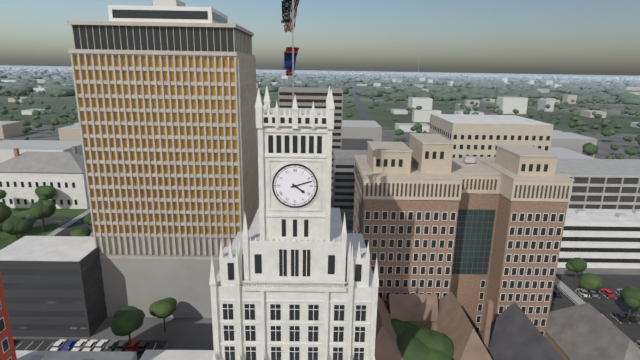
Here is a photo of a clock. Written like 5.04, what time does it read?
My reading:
4.12
